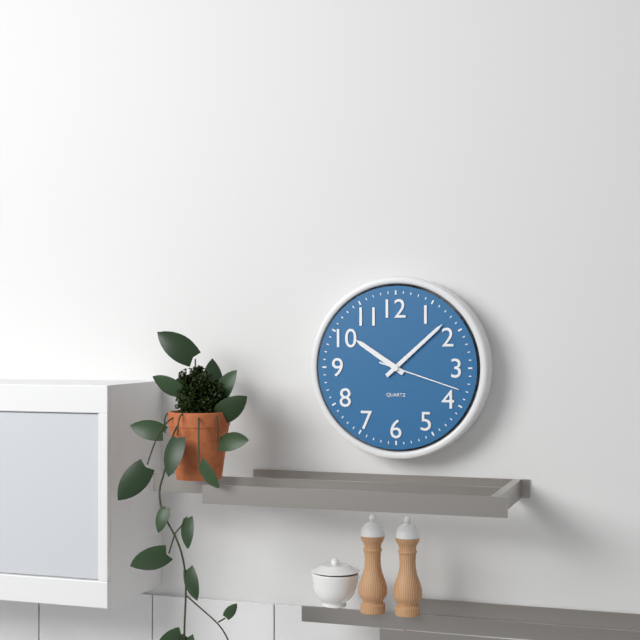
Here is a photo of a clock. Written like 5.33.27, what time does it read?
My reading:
10.08.18
